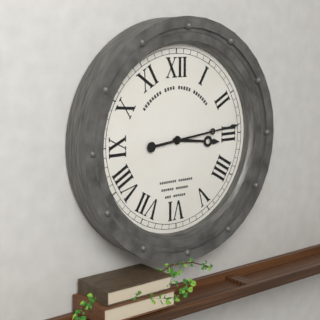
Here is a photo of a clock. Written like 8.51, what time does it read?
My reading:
3.14
